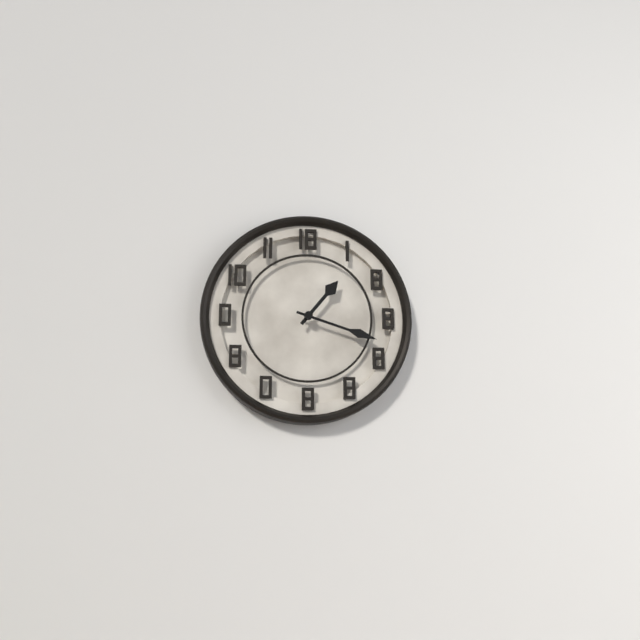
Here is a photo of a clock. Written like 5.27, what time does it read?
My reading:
1.18
